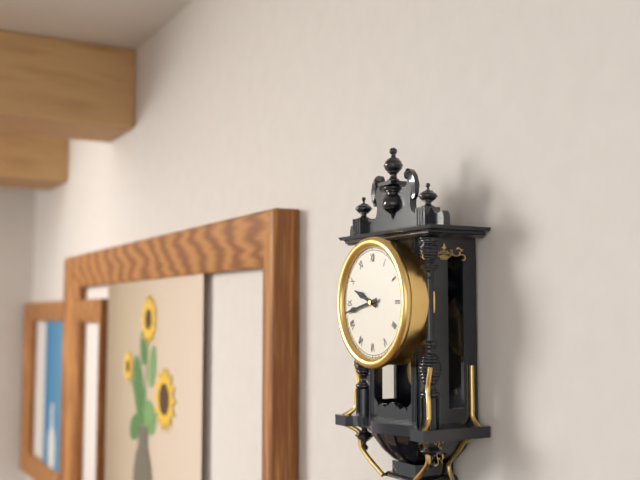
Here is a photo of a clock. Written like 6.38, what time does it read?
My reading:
9.43
